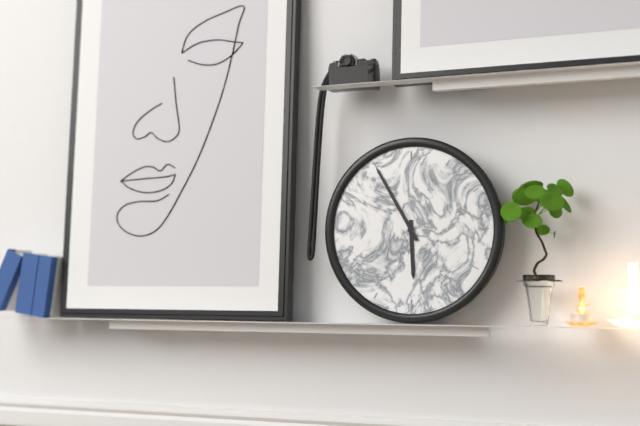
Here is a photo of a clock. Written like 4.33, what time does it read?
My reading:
5.55
